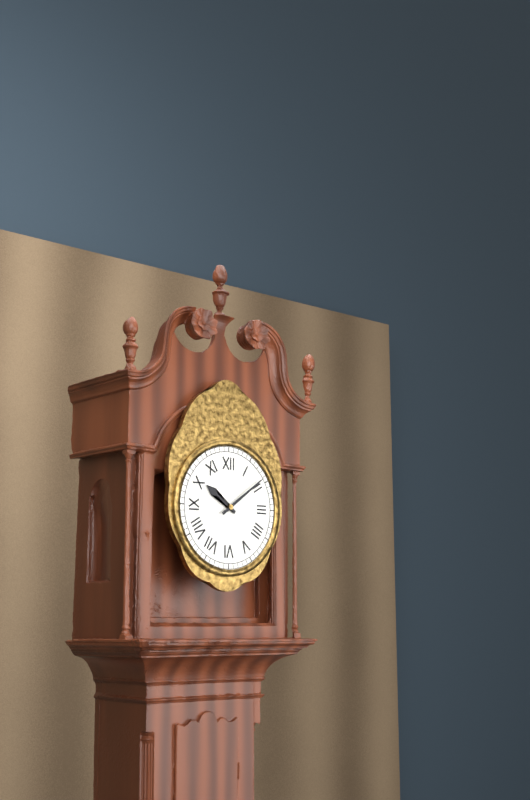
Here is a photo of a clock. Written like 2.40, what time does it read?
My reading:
10.09
